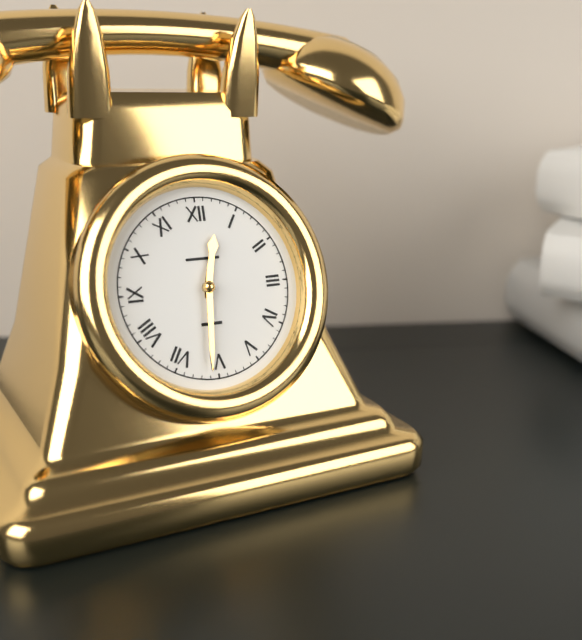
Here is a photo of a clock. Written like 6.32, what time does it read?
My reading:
12.31
